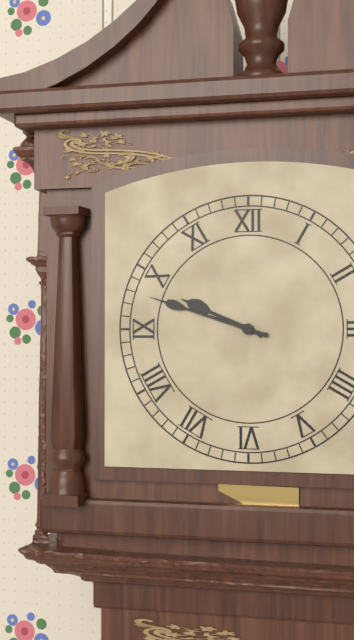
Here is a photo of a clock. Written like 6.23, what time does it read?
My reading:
9.48
